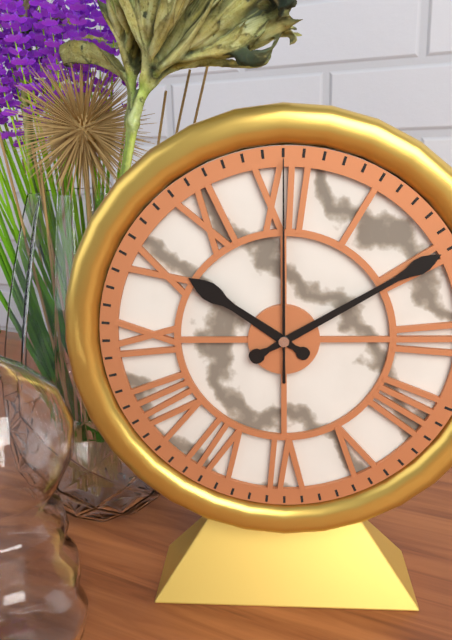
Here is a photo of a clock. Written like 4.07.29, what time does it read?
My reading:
10.10.00
